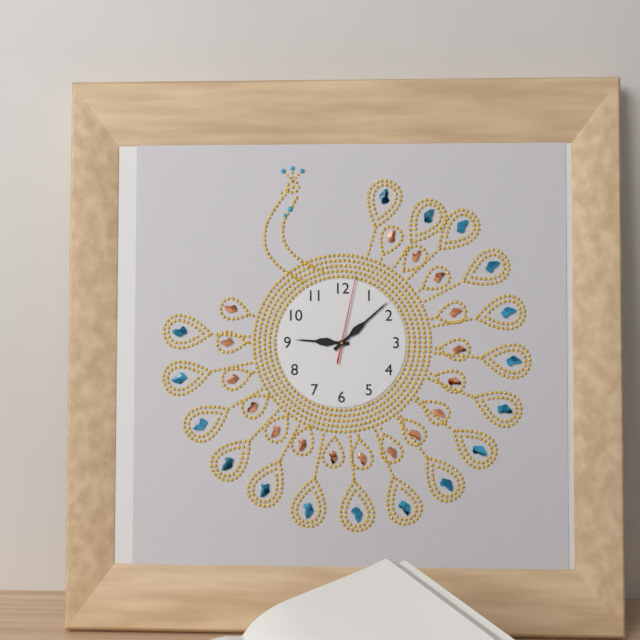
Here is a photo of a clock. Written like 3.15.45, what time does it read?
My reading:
9.08.02
